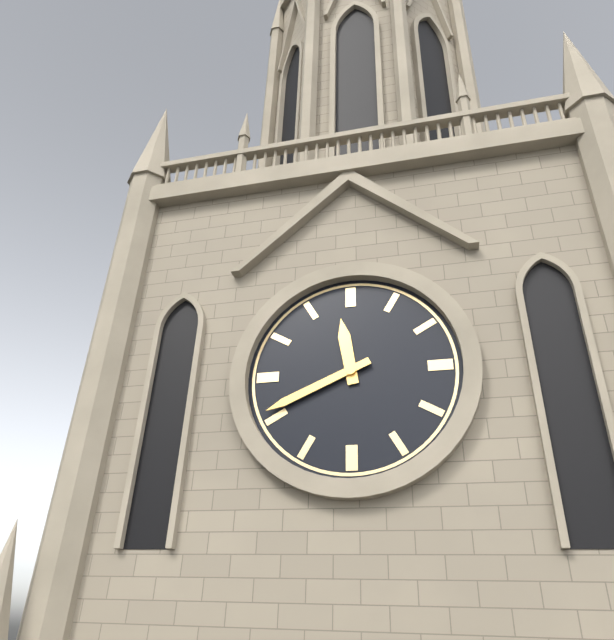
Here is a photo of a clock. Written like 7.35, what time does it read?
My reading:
11.41
